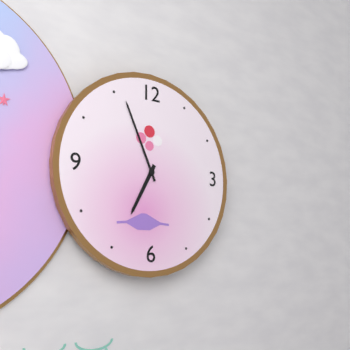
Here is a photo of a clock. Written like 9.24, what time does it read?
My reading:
6.56
